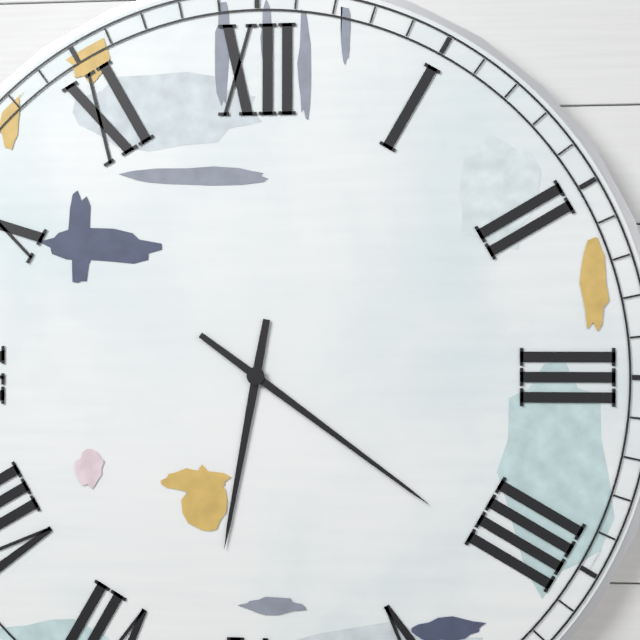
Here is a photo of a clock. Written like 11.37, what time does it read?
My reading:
6.21
